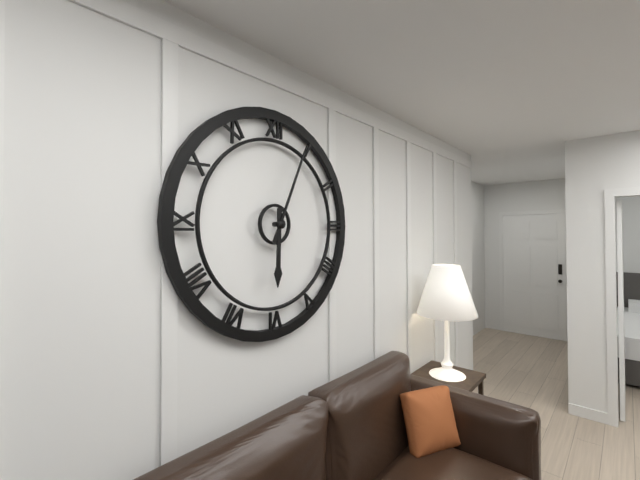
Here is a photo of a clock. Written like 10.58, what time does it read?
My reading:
6.04
